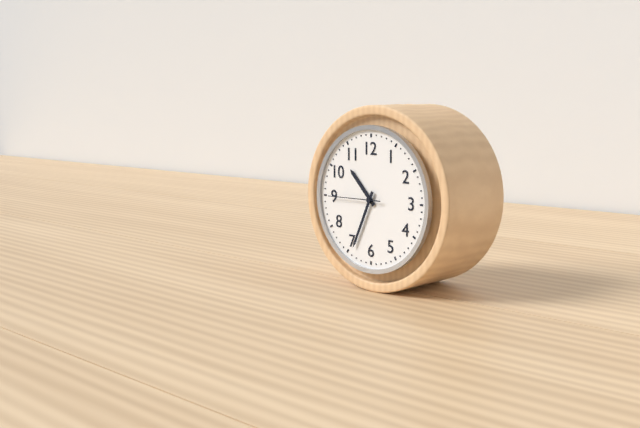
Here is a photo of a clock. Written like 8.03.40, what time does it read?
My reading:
10.34.45
